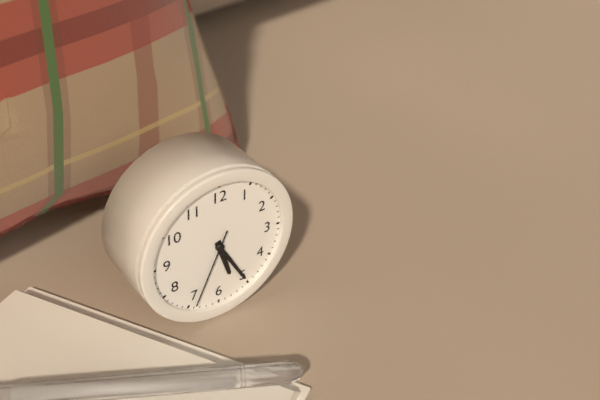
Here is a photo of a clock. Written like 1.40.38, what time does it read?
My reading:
5.25.34
